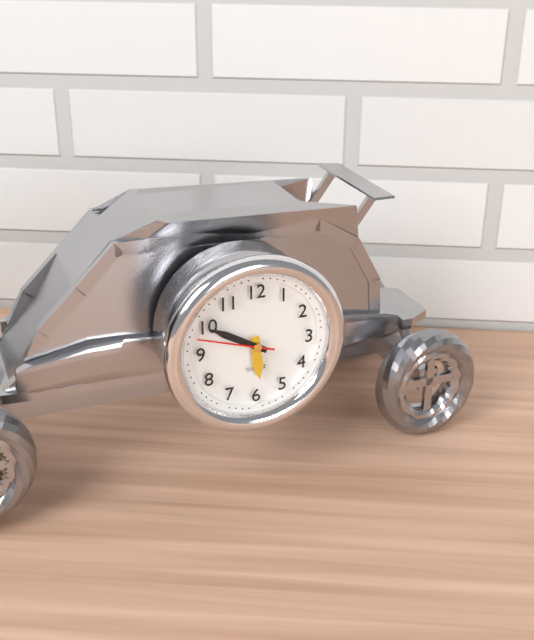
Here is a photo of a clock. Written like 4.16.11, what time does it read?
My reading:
5.50.48
